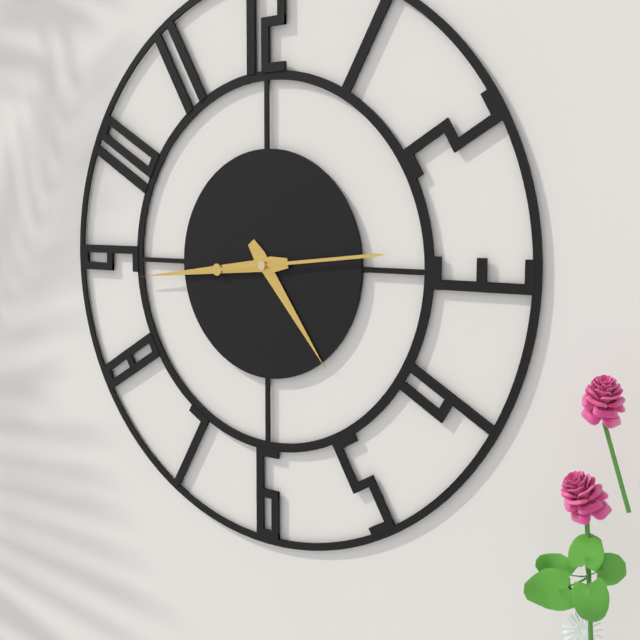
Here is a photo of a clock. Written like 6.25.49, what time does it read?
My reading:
4.44.14
